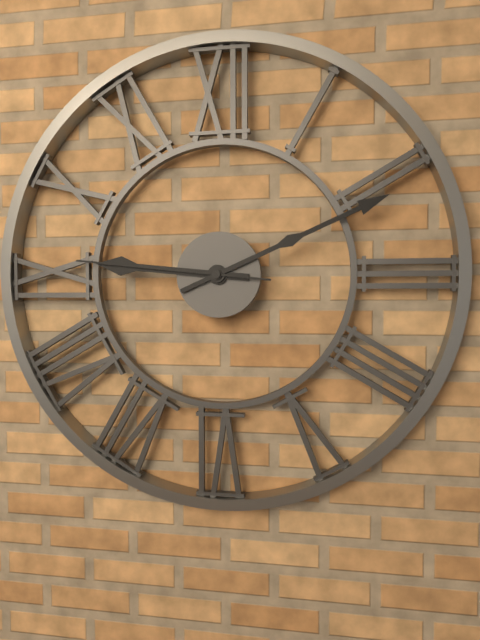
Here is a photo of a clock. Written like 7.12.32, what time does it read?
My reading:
9.11.46
